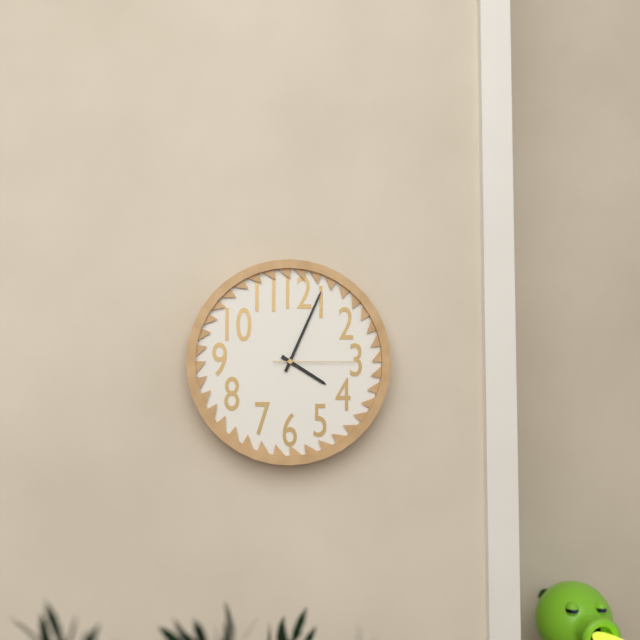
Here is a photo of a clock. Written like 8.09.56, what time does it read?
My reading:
4.04.15
